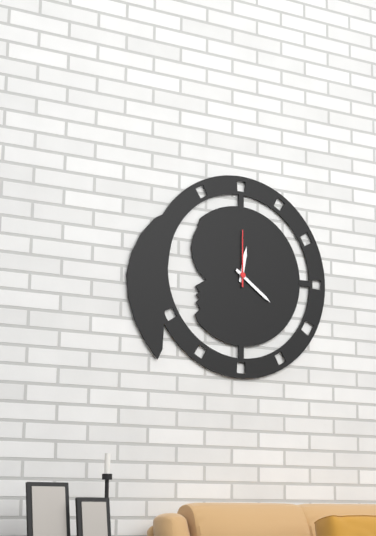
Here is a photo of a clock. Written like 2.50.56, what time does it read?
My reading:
12.21.00
